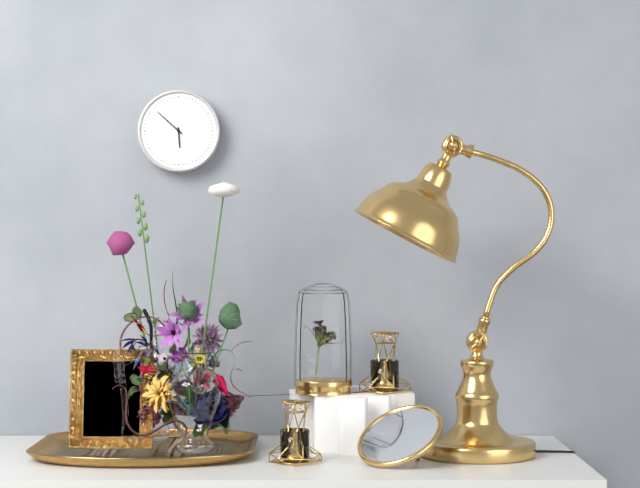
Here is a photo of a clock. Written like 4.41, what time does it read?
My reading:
5.52
